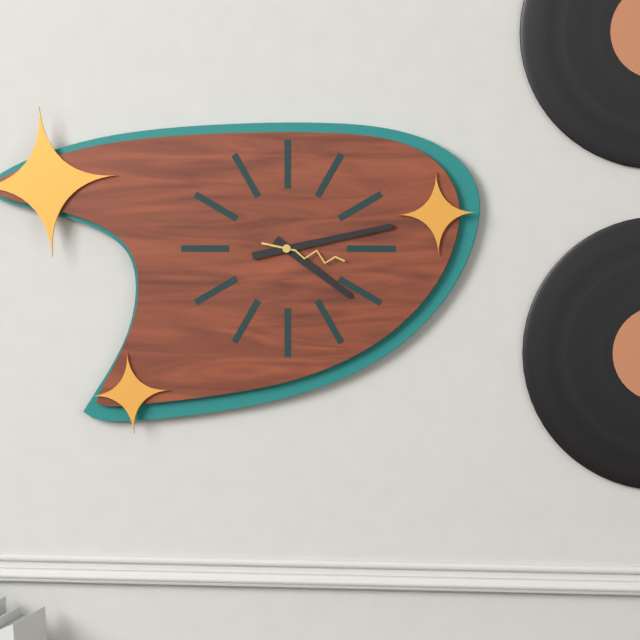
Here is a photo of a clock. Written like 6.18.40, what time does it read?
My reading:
4.13.17
